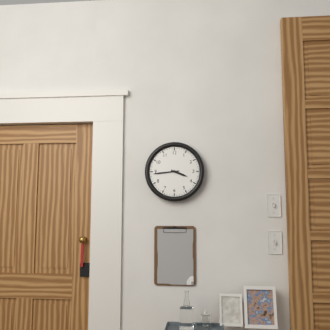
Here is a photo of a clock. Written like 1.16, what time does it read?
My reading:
3.44
